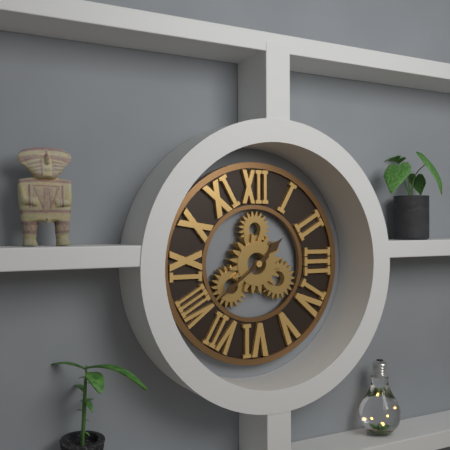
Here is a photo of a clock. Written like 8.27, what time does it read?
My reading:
1.39
